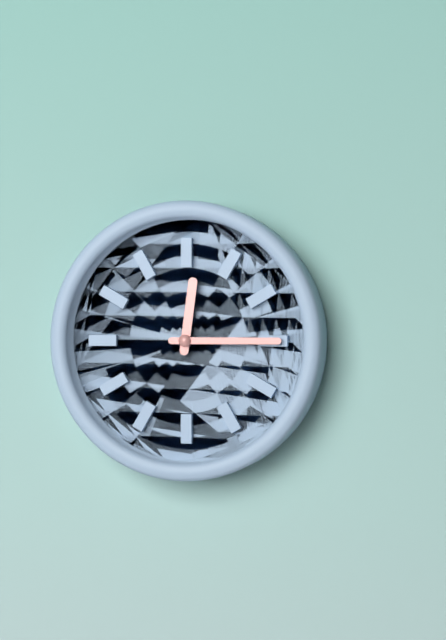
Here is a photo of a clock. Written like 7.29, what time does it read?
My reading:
12.15
